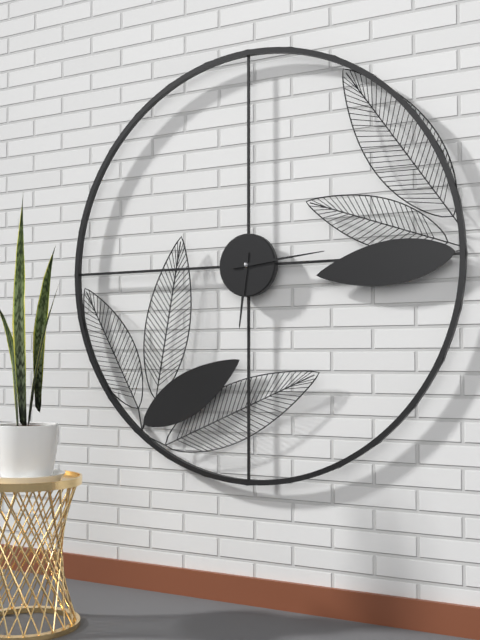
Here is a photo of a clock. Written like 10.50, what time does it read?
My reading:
6.14
